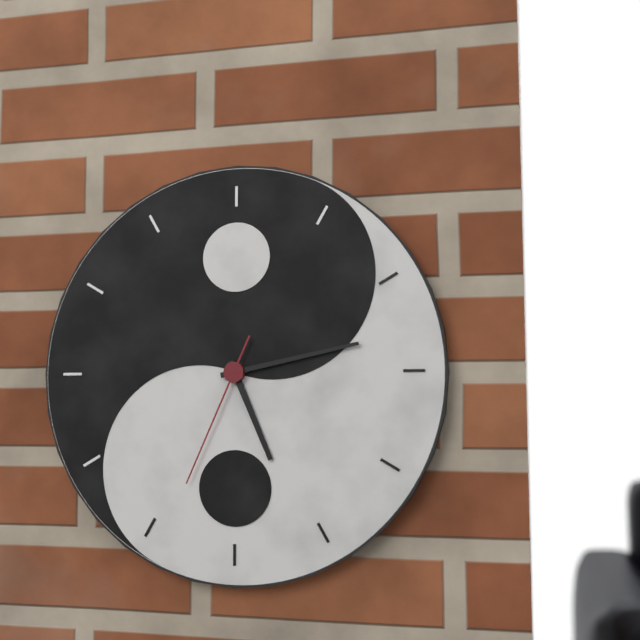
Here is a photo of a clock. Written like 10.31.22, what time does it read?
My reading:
5.13.34
